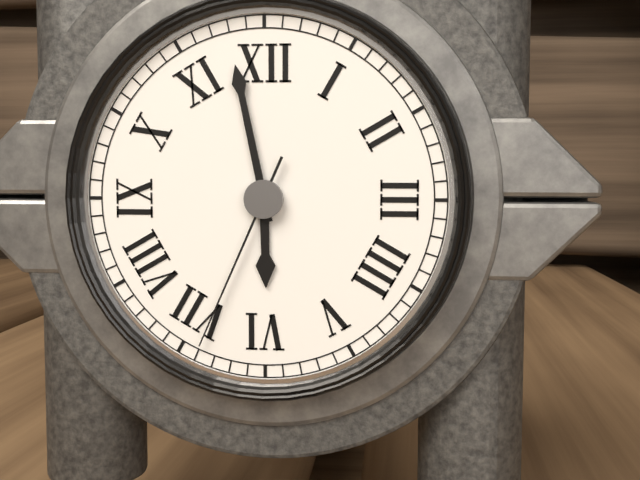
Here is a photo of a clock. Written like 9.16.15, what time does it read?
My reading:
5.58.34
